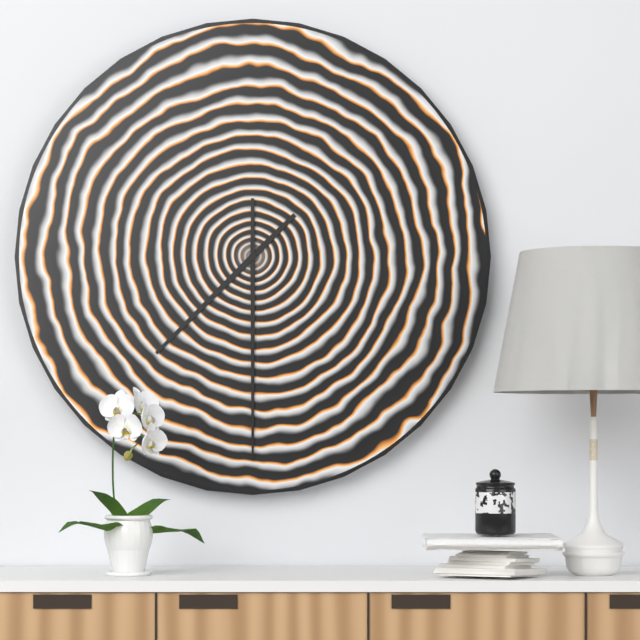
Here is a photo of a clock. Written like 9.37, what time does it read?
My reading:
7.30
